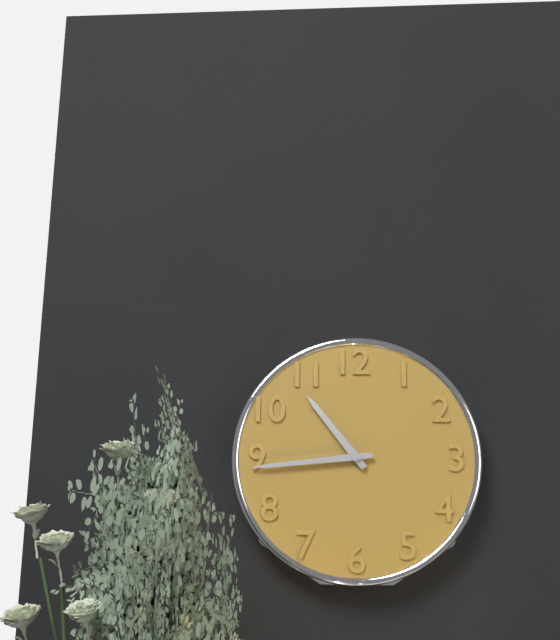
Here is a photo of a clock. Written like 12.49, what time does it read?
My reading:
10.44
